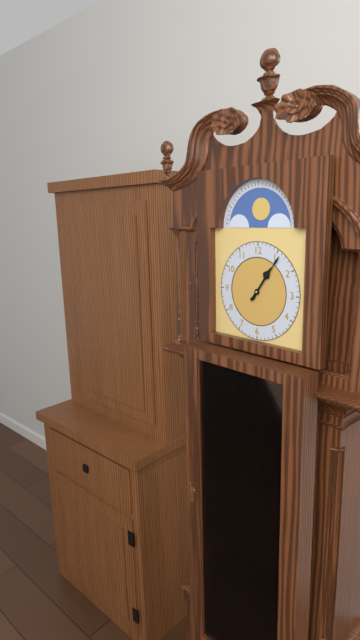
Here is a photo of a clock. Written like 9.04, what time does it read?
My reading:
1.06
